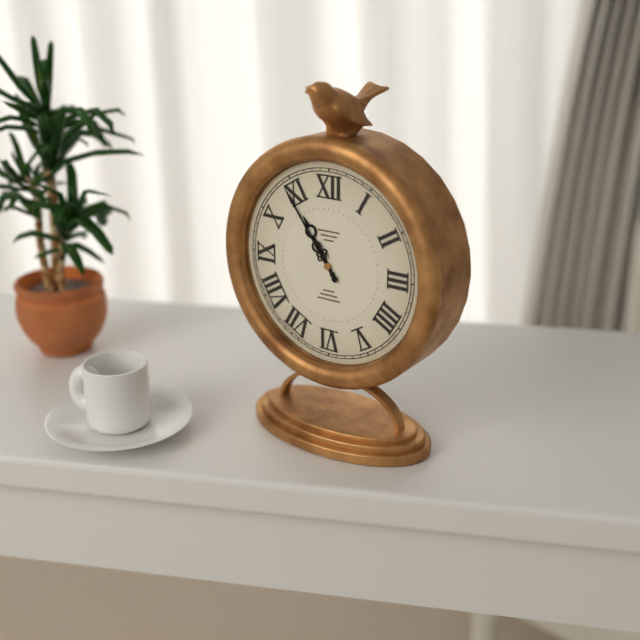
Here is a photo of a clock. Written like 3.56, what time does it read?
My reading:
10.54
